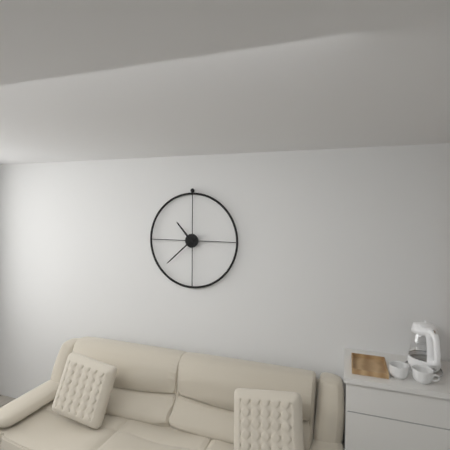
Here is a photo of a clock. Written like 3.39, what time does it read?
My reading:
10.38
